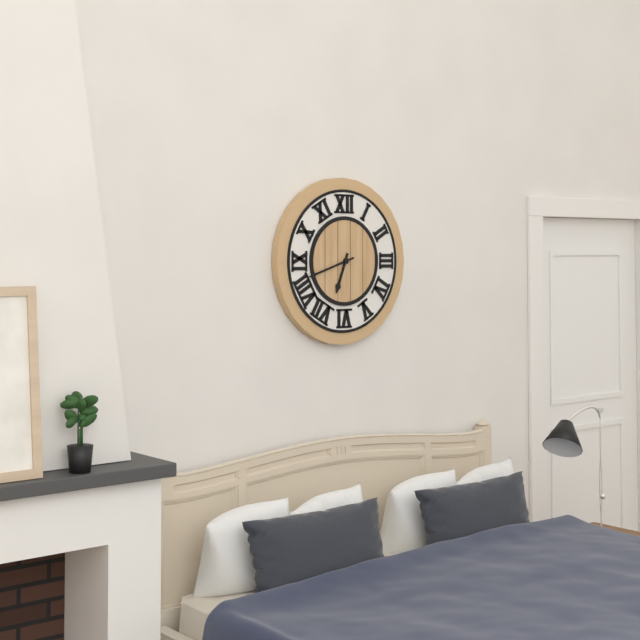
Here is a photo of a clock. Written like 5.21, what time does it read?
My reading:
6.42
